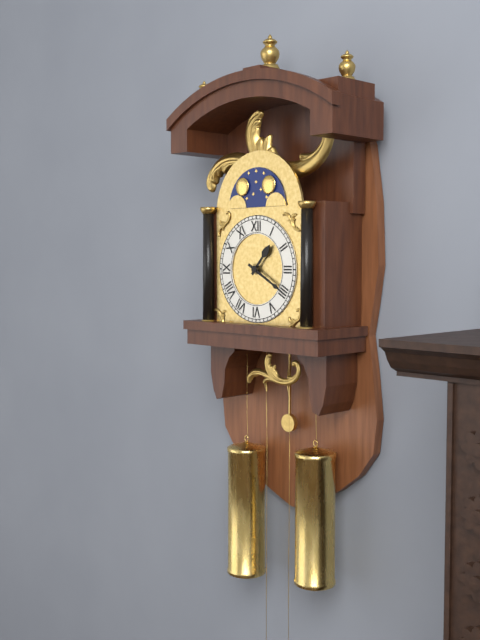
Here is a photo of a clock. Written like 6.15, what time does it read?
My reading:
1.20
